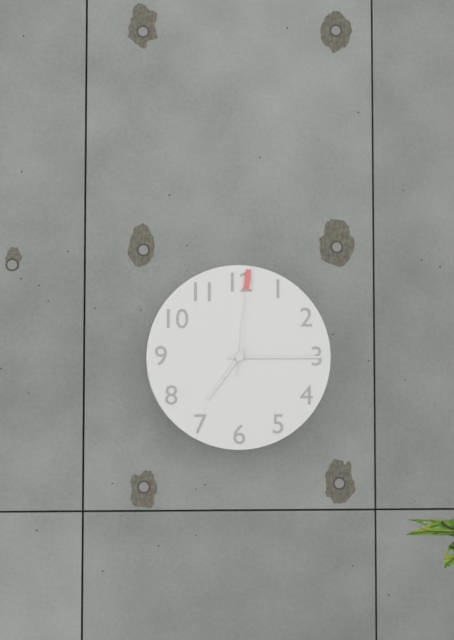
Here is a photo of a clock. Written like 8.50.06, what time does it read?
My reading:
7.15.01
